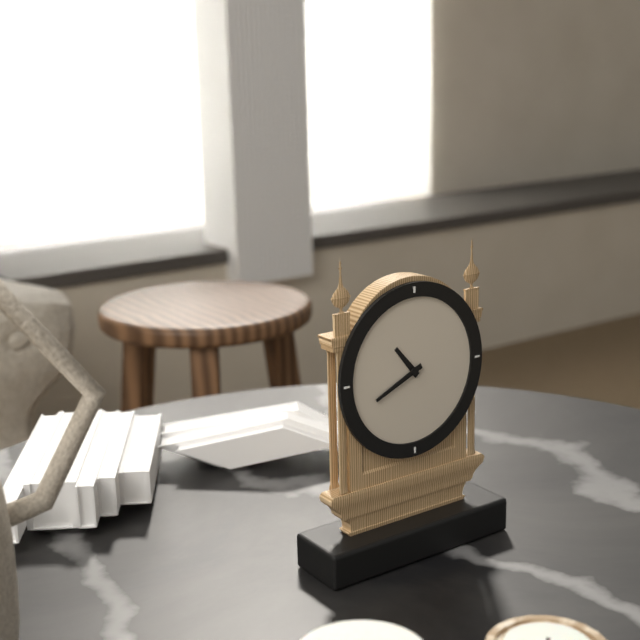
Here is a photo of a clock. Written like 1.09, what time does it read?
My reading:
10.41
